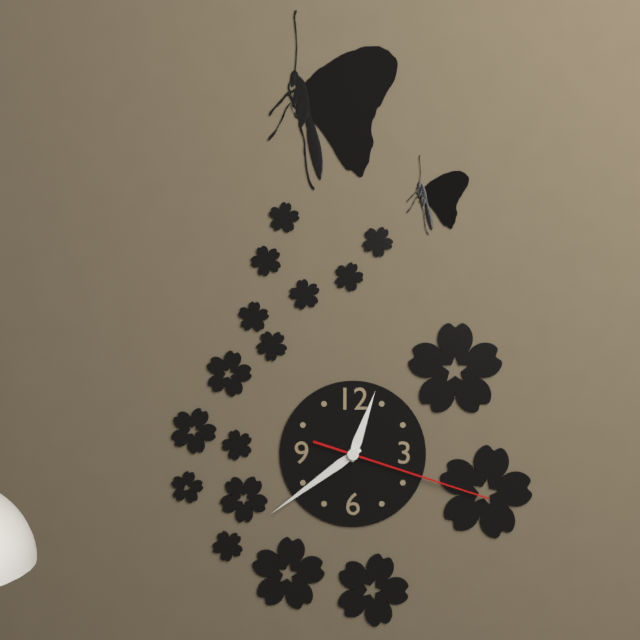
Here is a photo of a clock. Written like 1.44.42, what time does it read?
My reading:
12.39.18
